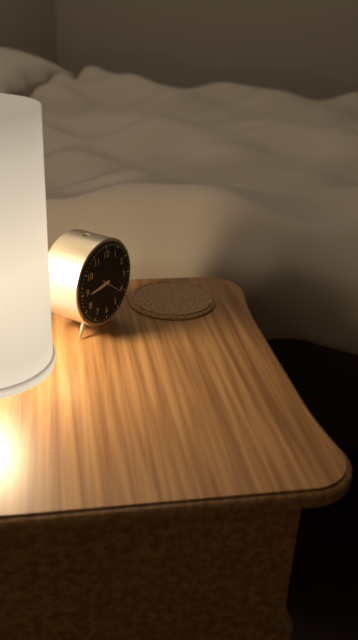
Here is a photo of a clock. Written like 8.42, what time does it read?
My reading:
8.44
